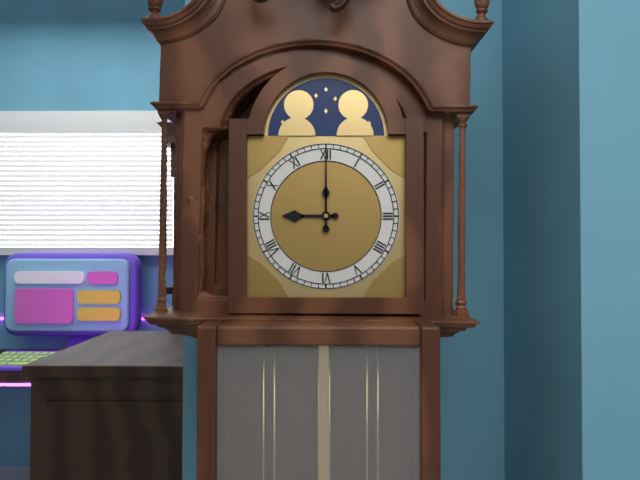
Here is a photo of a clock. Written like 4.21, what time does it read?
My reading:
9.00
